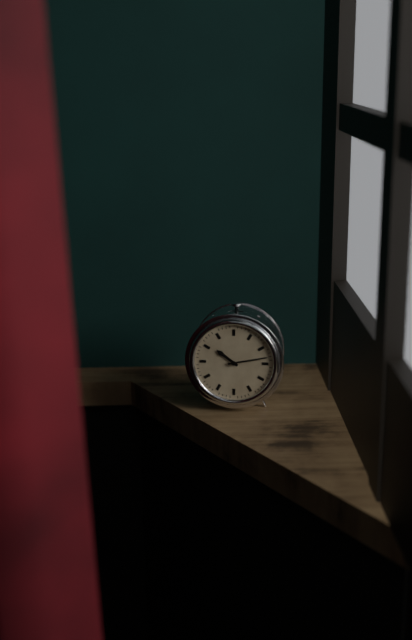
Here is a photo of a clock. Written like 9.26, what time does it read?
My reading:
10.13
